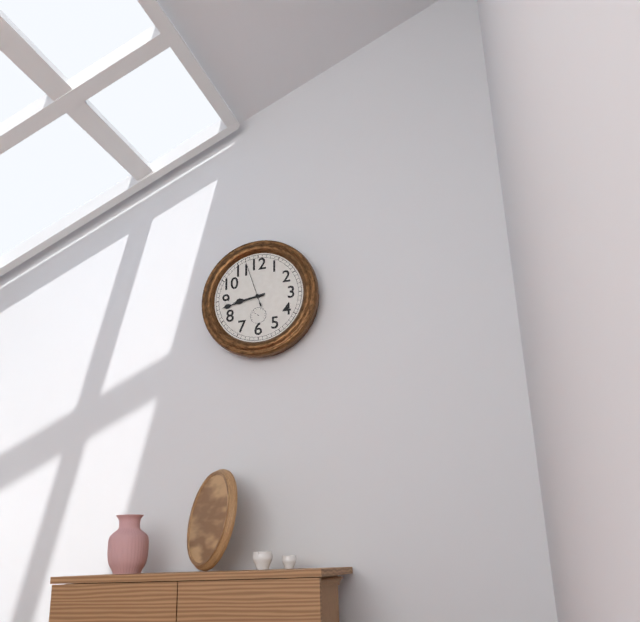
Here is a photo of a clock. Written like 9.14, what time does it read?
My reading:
8.43
